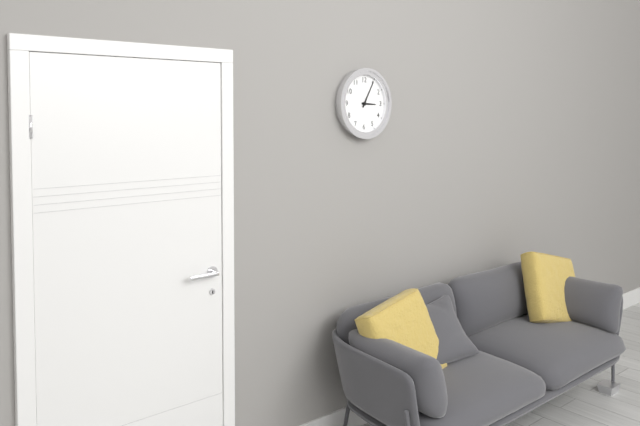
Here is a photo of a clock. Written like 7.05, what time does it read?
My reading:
3.05
